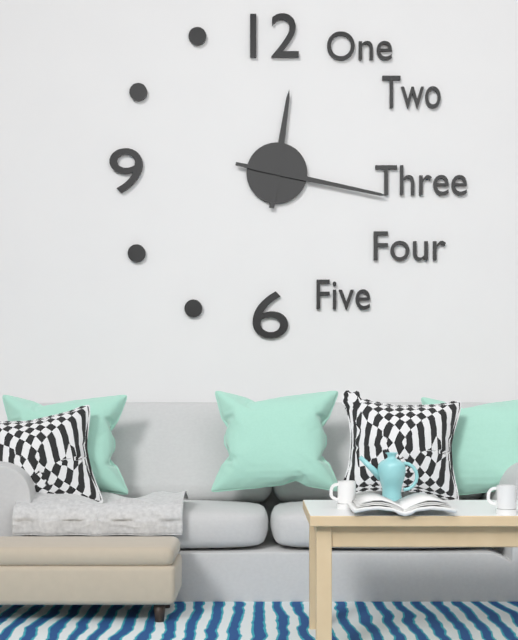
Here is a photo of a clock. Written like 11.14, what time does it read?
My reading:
12.17
